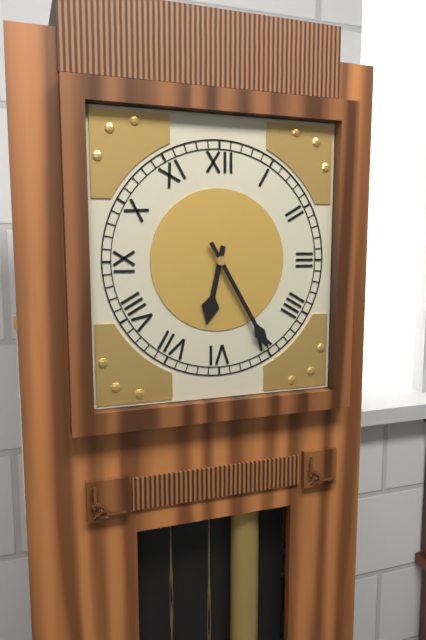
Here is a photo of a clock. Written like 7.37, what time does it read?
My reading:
6.25
